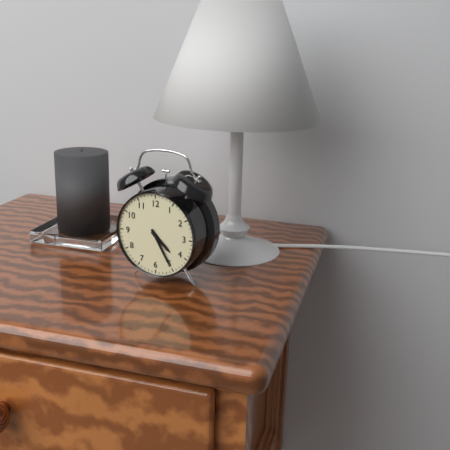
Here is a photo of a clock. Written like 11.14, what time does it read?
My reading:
4.25
